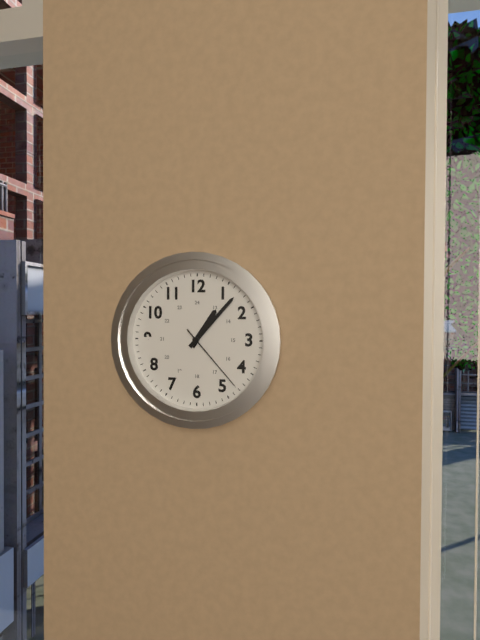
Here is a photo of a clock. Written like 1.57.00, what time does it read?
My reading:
1.07.23
